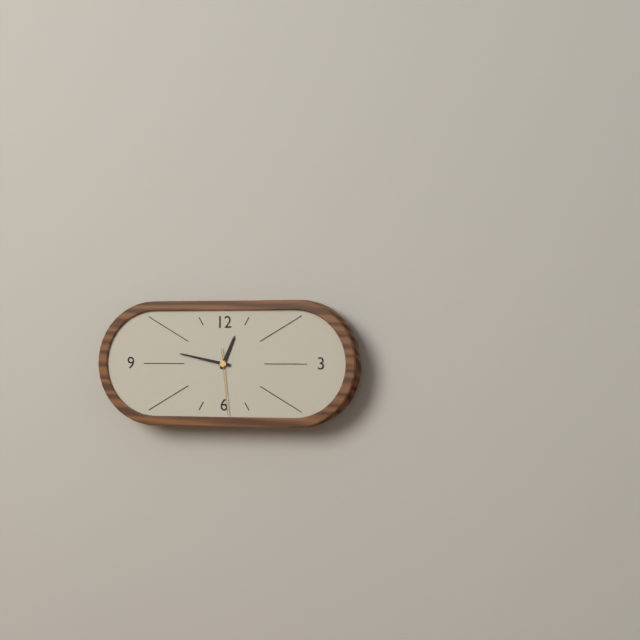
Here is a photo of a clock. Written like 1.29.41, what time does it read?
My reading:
12.47.29
